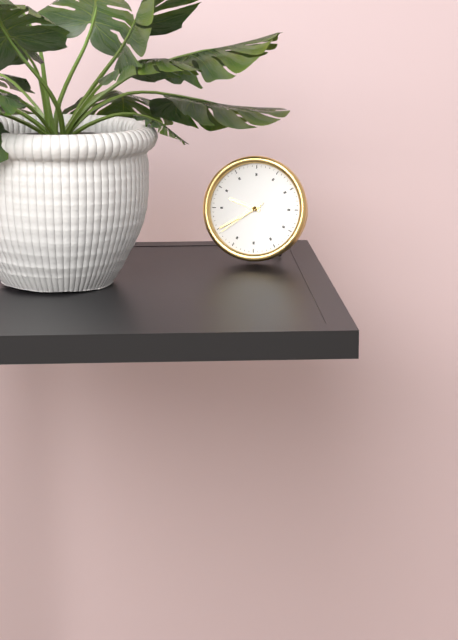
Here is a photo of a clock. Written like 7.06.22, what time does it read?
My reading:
9.40.39
